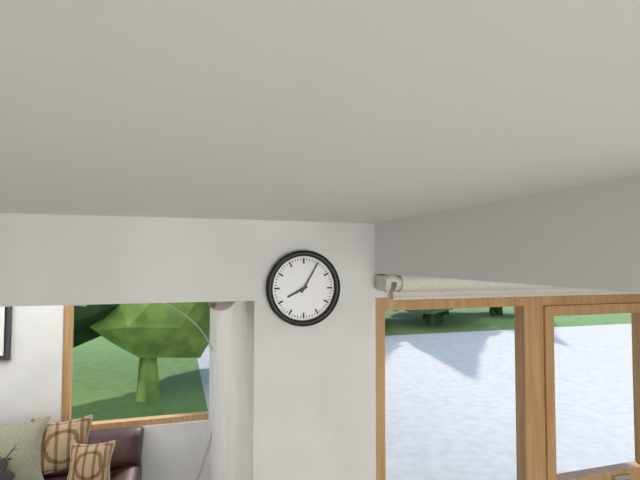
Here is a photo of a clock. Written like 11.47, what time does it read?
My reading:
8.05
